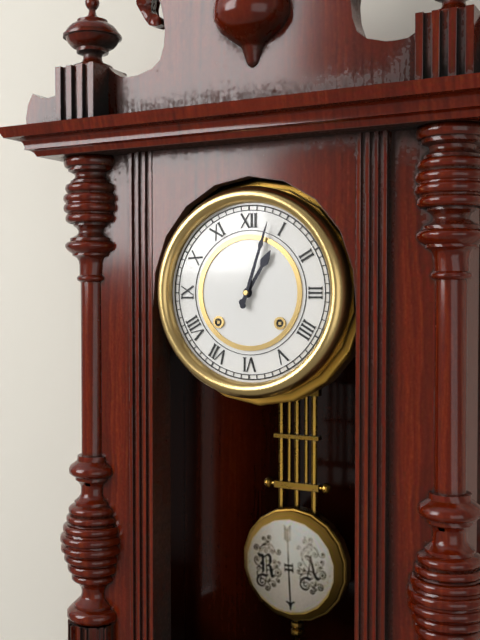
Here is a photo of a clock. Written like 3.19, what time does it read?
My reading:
1.03
